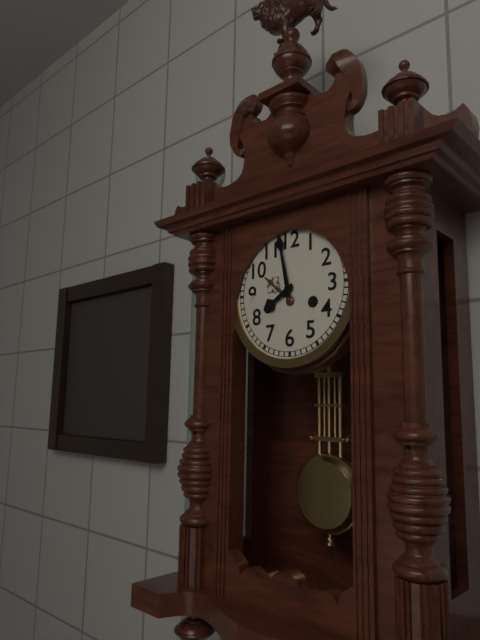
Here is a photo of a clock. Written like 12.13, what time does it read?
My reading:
7.58
